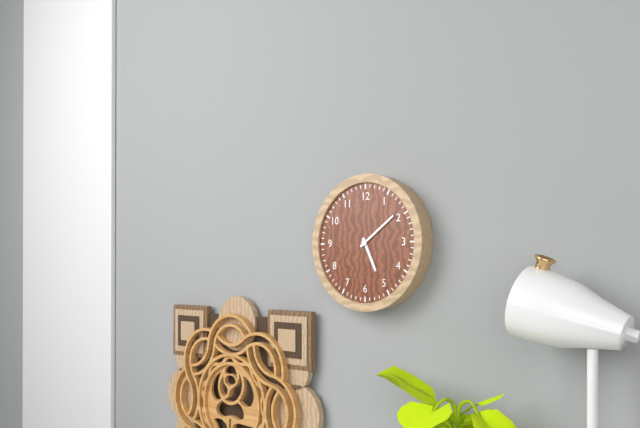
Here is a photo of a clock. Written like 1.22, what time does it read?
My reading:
5.09
